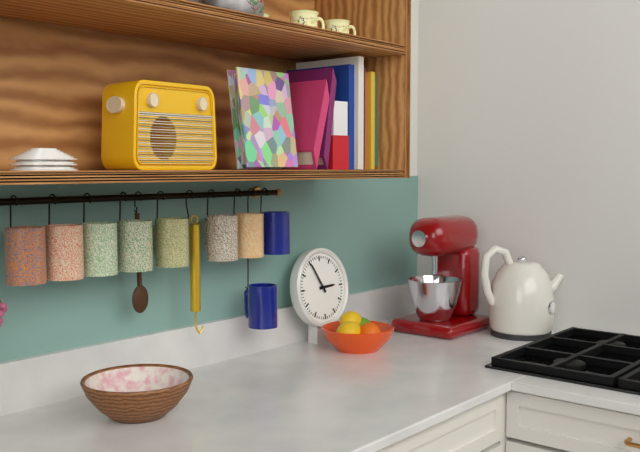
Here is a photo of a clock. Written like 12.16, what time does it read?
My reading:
2.55
